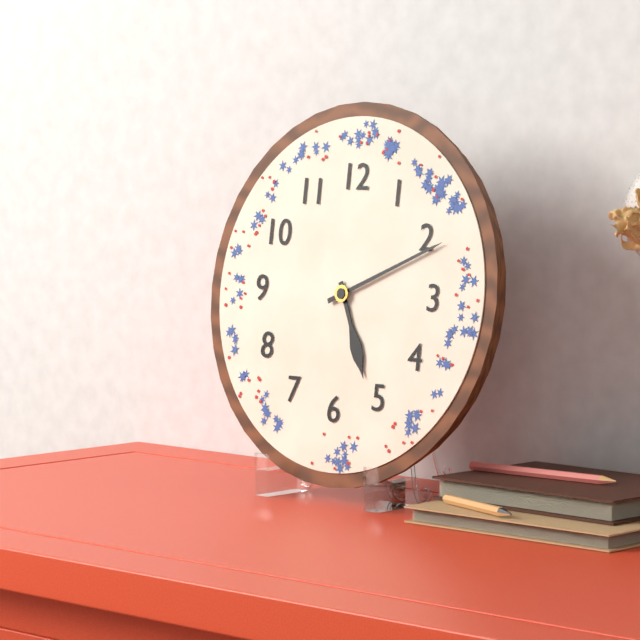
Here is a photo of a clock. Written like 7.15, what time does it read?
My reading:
5.11
